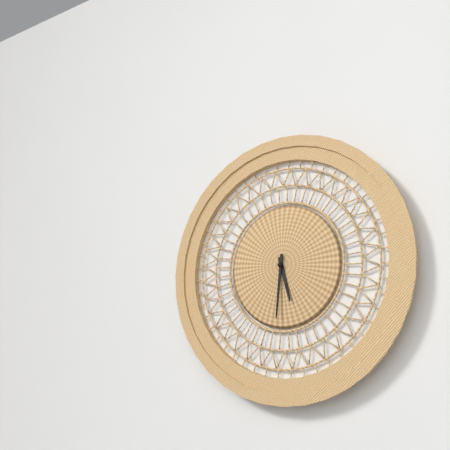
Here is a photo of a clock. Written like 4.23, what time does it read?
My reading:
5.31
